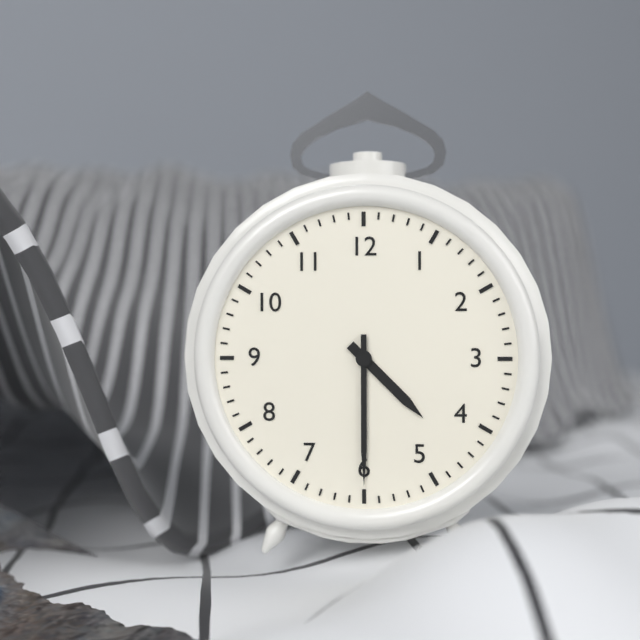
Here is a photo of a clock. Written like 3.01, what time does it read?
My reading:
4.30
